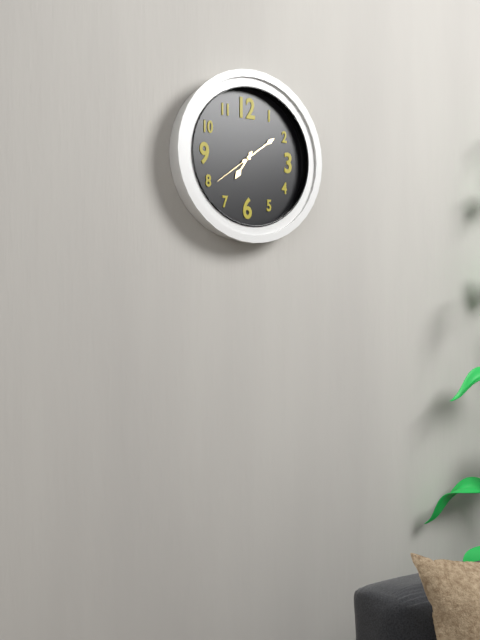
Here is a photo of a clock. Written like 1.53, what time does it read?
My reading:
7.09
